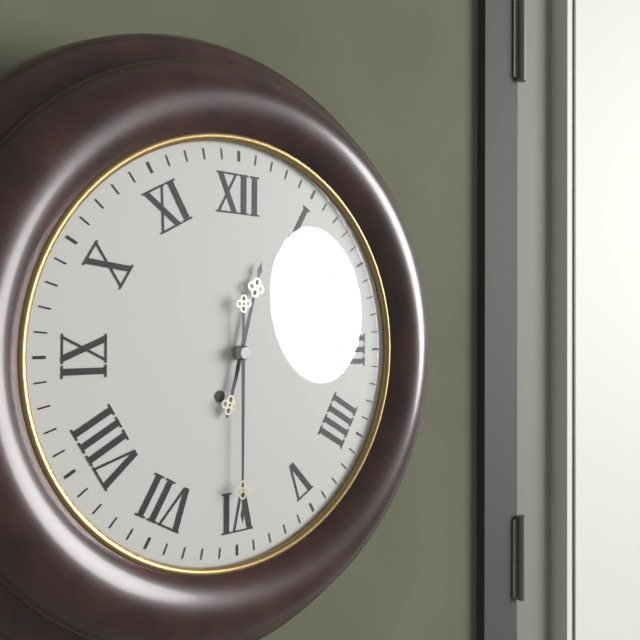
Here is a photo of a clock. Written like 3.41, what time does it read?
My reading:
12.30
